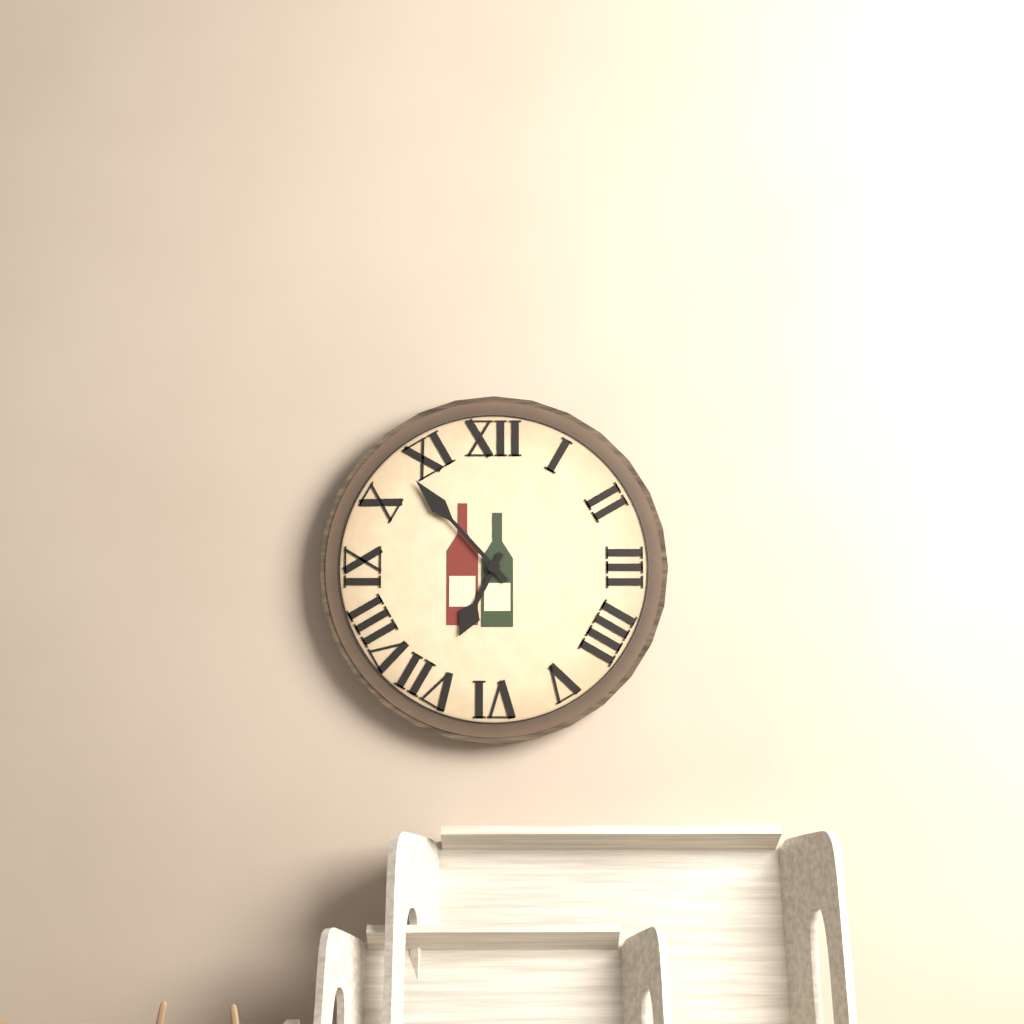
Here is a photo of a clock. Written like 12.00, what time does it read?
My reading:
6.53
